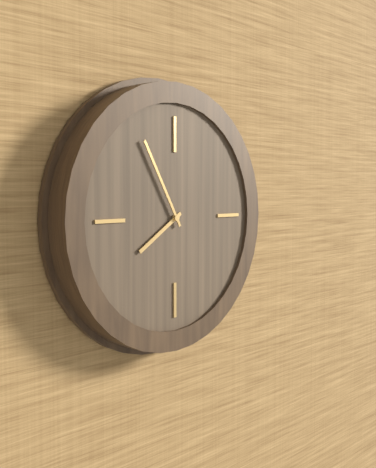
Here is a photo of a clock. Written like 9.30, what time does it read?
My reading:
7.55
